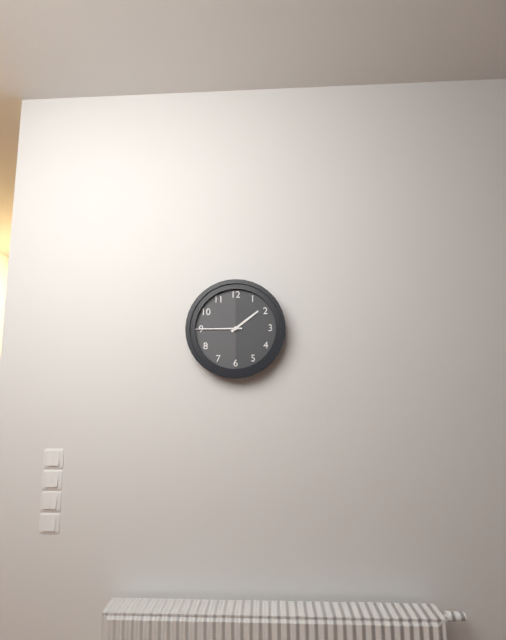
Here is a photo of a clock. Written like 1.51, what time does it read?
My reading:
1.45
